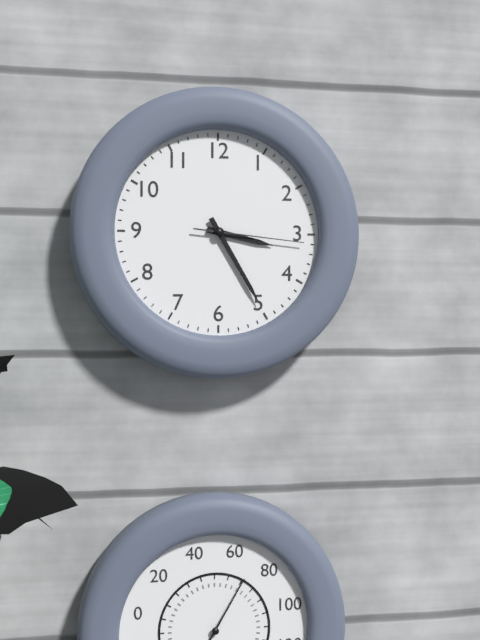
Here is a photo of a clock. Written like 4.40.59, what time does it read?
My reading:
3.25.16
